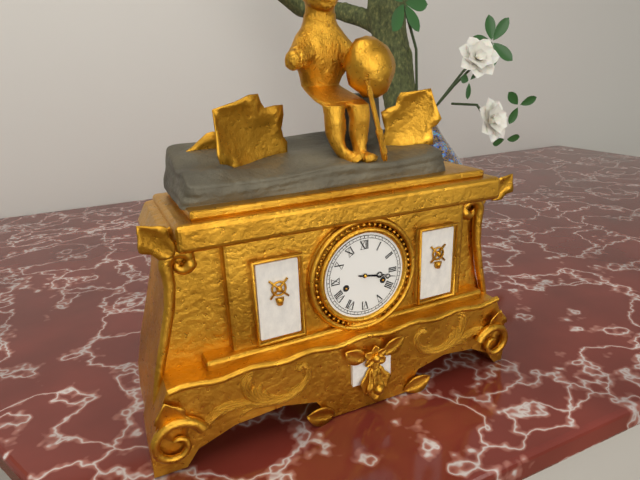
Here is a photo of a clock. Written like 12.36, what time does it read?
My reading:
3.17
